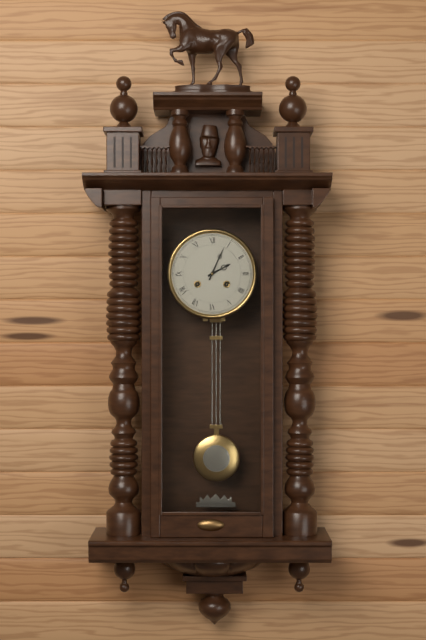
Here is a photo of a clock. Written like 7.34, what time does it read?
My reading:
2.04
